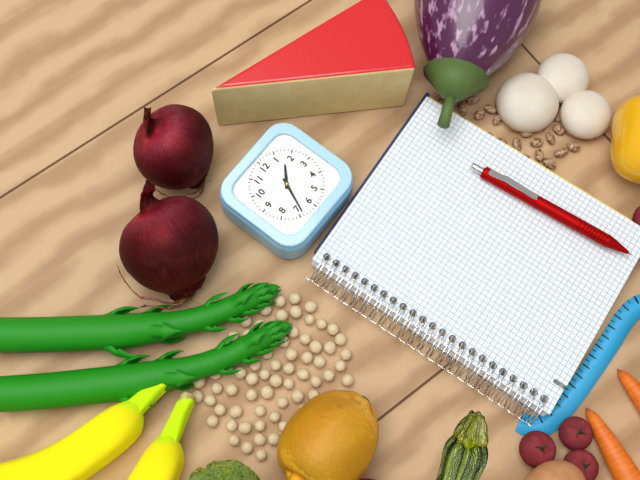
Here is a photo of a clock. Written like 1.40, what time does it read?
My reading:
1.34
